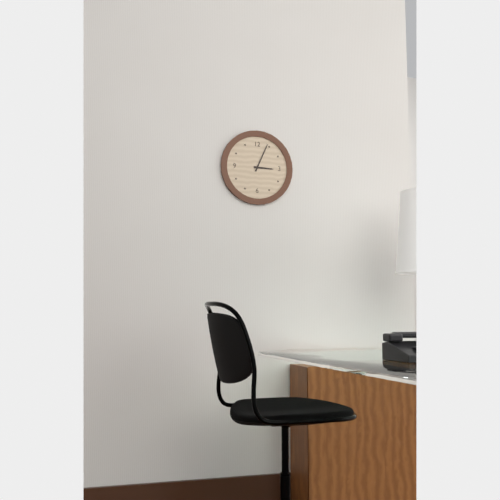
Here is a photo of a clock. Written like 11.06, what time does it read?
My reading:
3.04
